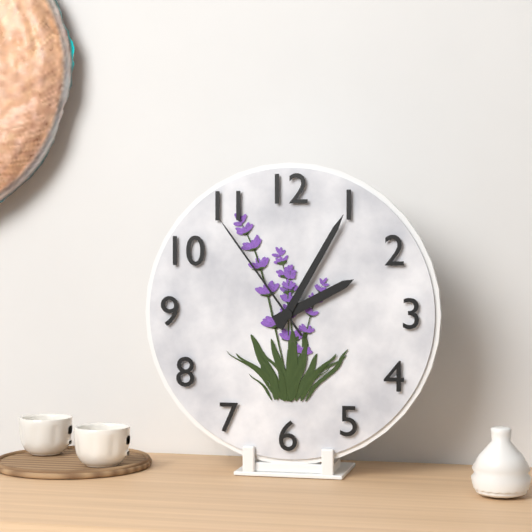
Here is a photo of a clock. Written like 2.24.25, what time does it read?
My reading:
2.05.54
